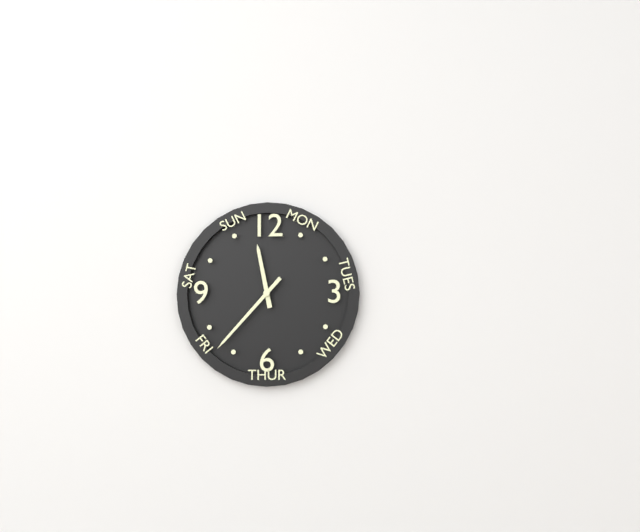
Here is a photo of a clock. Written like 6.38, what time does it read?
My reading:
11.37
